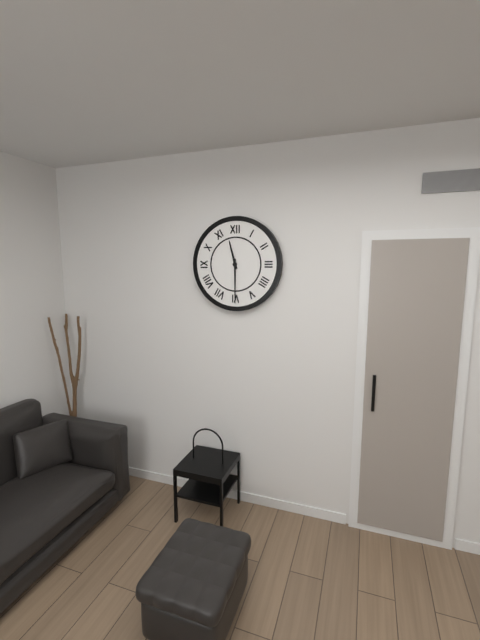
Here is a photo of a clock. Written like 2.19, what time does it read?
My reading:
11.30
